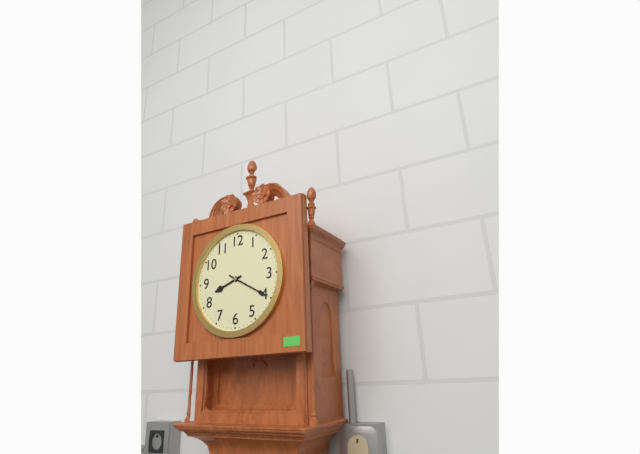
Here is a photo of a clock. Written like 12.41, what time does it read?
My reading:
8.20
